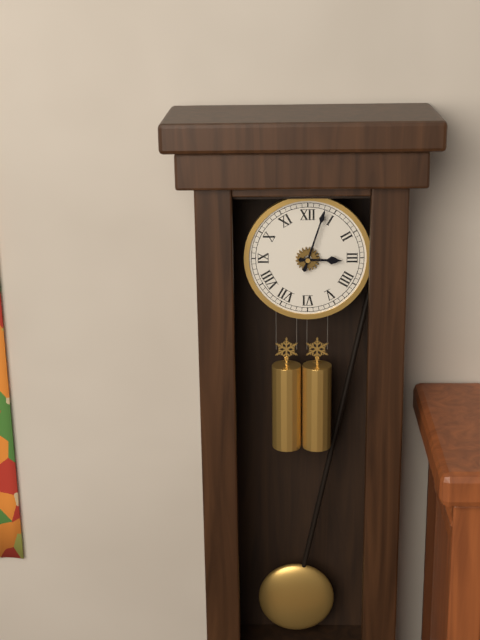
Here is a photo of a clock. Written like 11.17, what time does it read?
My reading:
3.03
